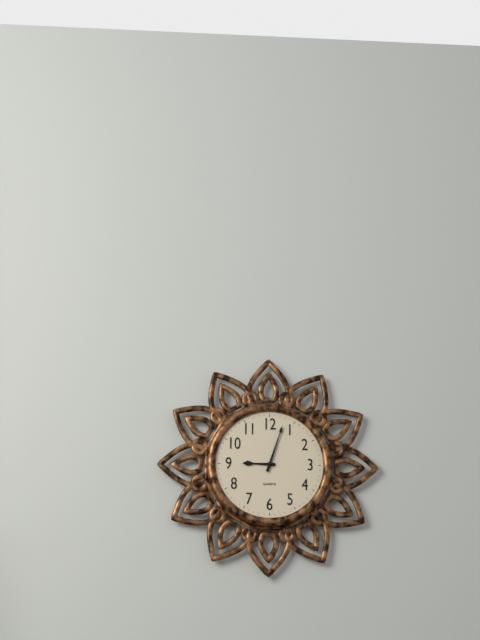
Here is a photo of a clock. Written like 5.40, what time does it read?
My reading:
9.03
